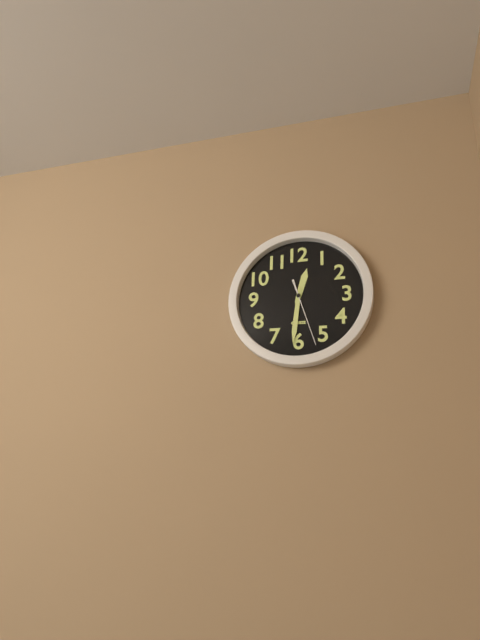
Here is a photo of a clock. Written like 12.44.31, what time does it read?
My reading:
12.31.27
